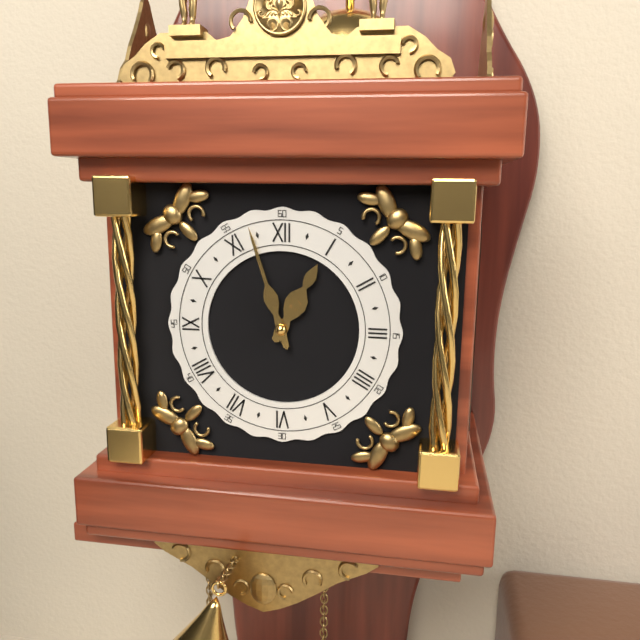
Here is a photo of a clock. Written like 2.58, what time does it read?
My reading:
12.57
